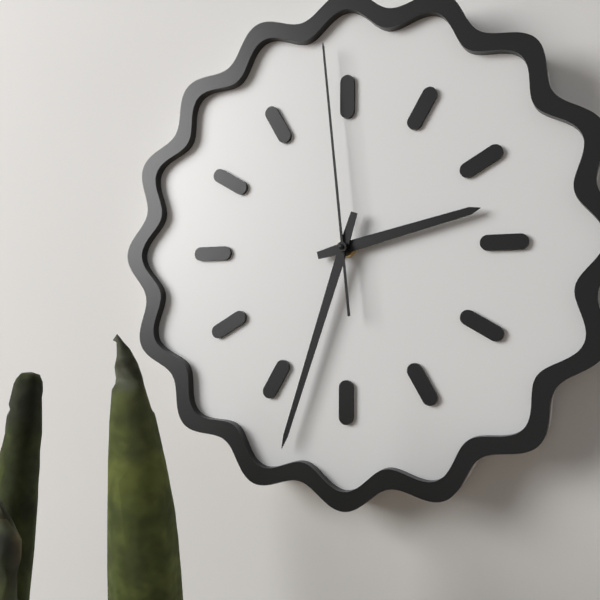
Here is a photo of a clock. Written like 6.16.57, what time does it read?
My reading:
2.33.59
